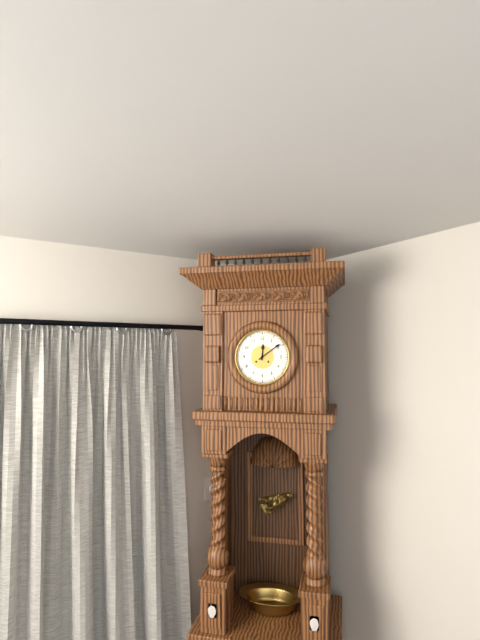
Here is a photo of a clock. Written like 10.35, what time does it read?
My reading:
12.09
